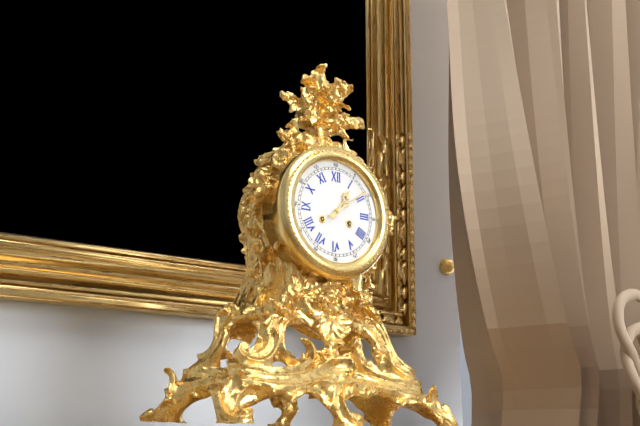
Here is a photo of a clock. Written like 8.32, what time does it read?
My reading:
1.09
